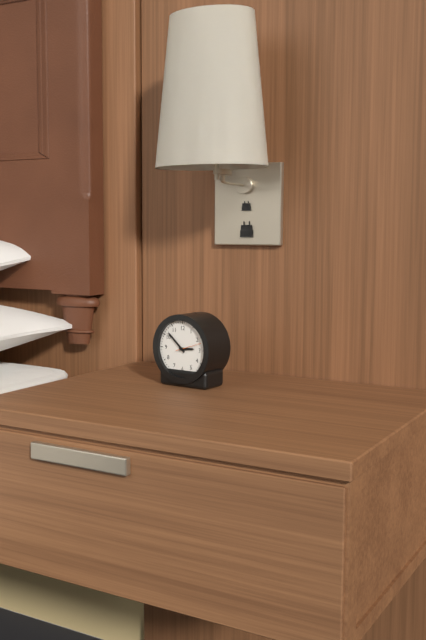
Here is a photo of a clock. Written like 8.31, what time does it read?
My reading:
2.52
